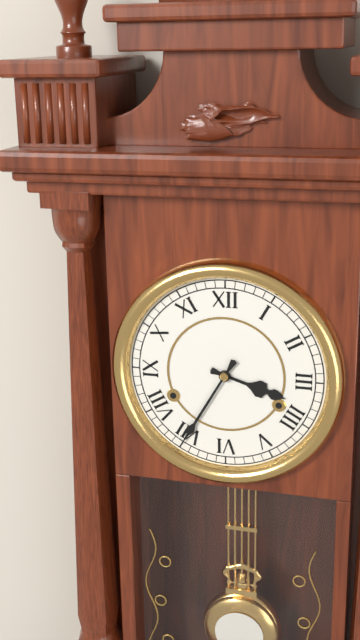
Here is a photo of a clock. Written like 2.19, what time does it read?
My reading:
3.35
